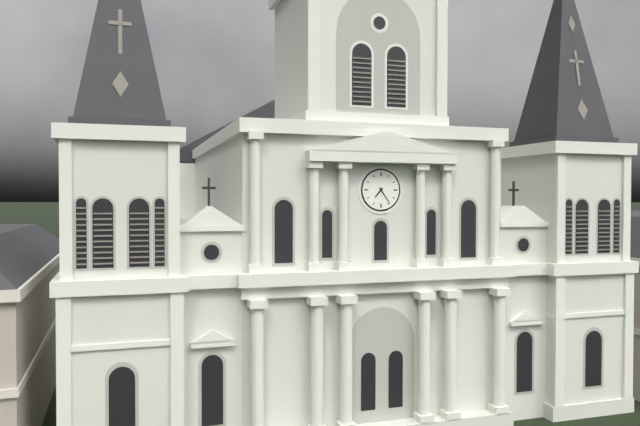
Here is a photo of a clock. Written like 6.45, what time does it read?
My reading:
7.24
